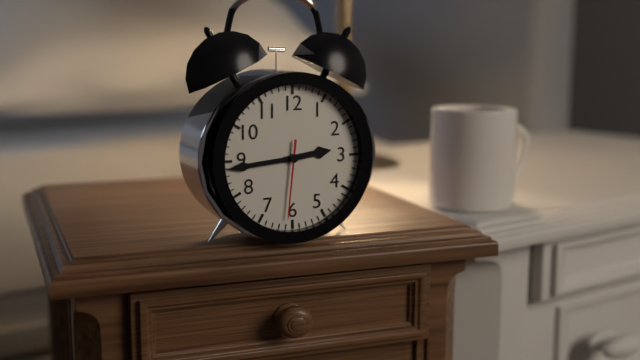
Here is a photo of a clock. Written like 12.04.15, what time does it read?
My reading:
2.44.31
